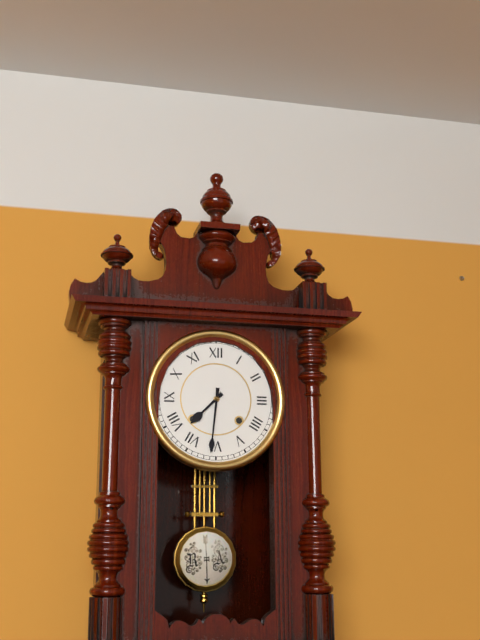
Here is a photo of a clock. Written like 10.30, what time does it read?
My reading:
7.31
